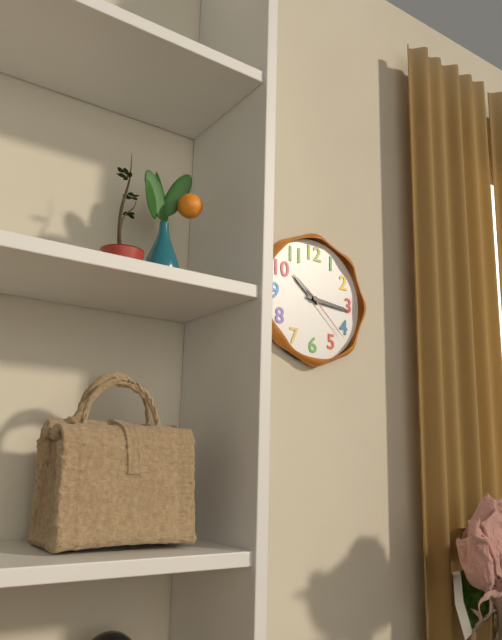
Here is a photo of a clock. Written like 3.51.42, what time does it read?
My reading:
10.16.22
